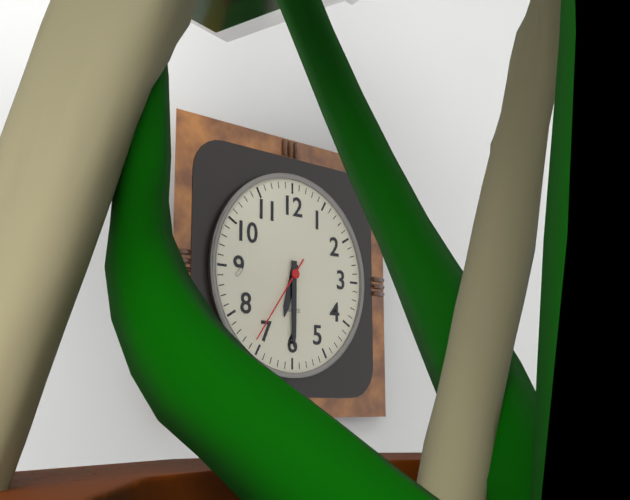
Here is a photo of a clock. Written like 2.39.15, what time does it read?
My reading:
6.30.36
